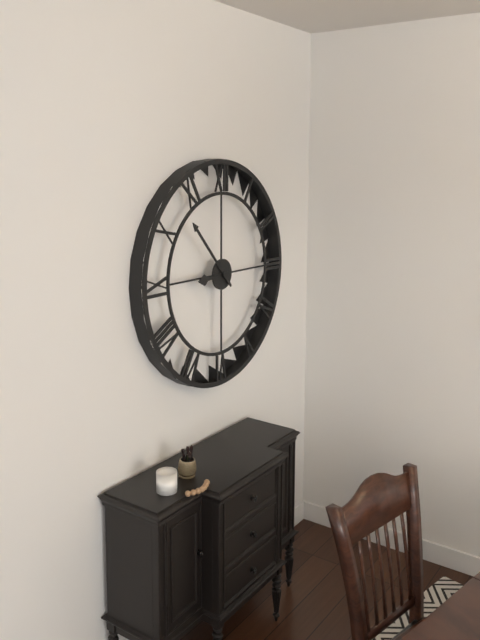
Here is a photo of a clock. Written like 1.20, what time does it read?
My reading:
8.53
